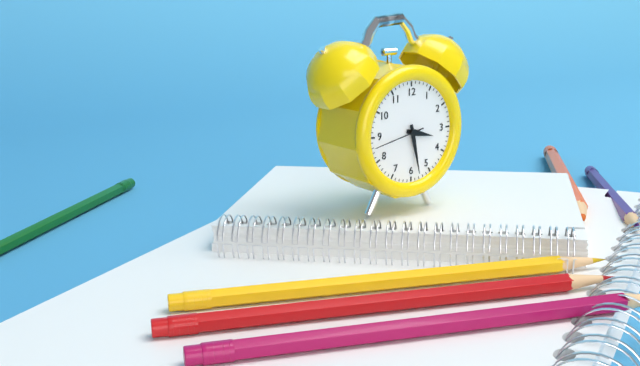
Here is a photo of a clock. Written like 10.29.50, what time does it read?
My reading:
3.28.43
